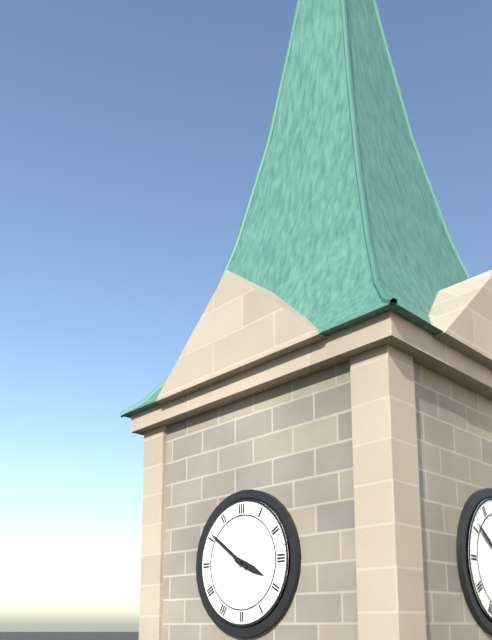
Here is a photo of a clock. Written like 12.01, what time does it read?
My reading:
3.51
